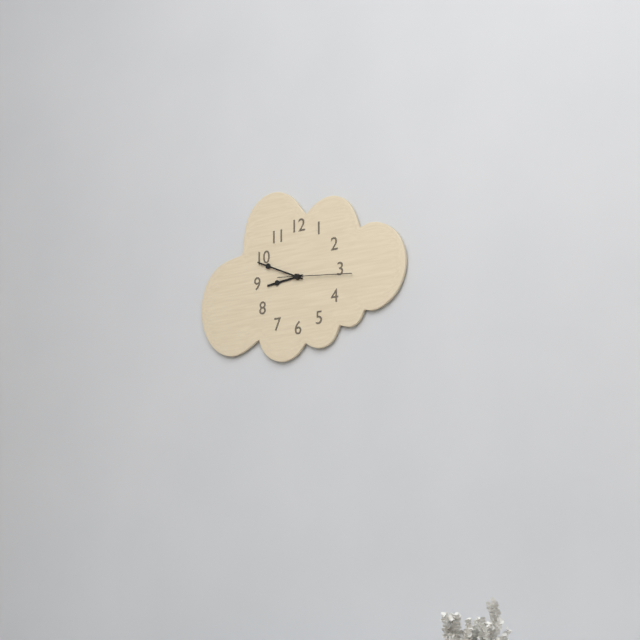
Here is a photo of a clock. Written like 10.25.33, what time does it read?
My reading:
8.49.16
